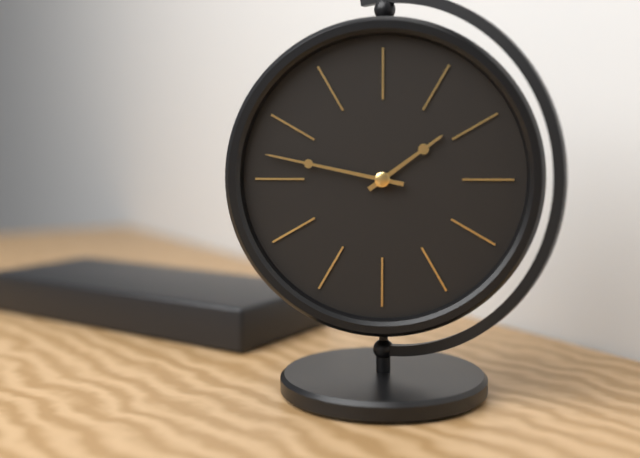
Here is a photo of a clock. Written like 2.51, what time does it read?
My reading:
1.47
